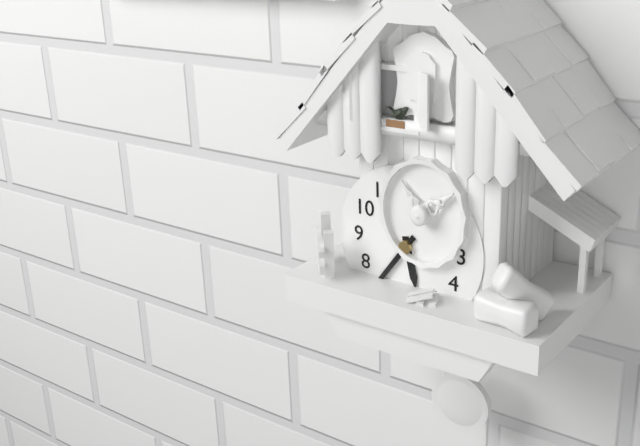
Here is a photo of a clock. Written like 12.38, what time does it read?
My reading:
5.36
